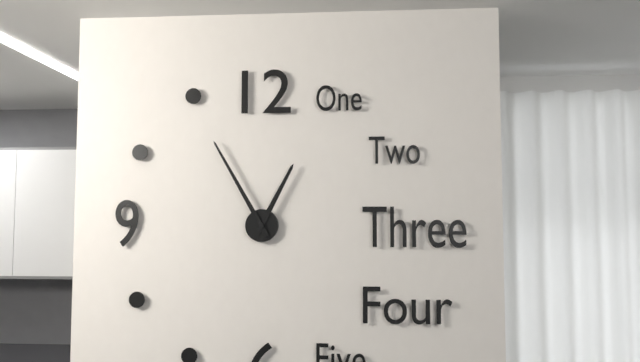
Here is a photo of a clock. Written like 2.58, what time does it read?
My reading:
12.55
